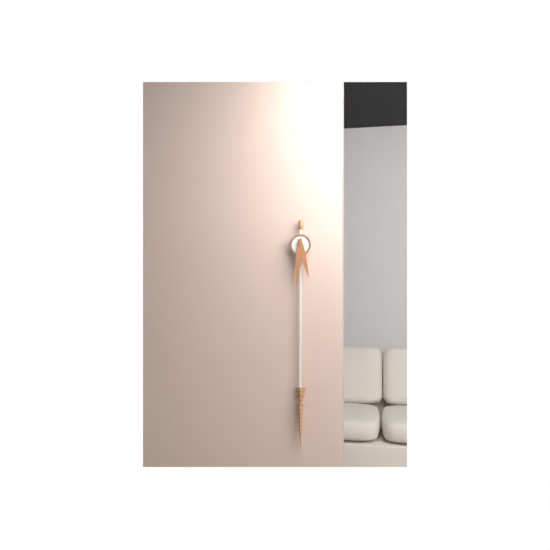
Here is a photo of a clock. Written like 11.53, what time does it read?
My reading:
5.31
